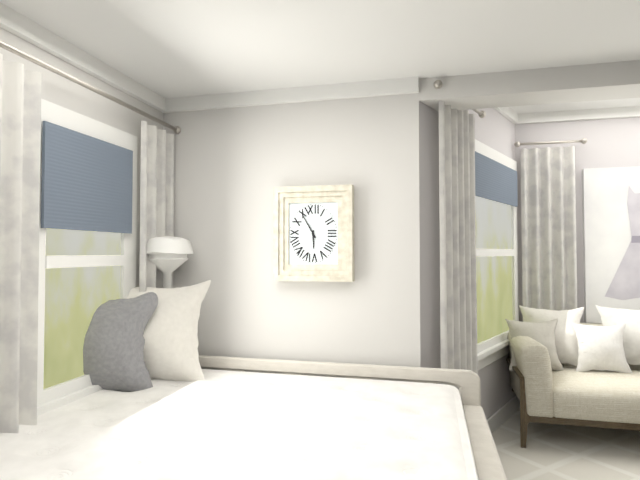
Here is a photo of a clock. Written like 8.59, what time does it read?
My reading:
5.55
